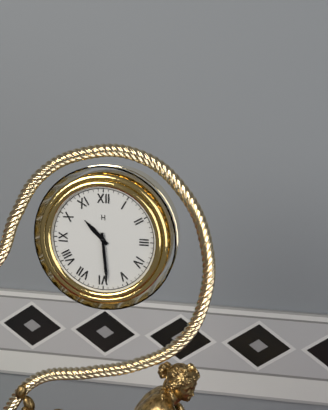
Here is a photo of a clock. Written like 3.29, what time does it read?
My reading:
10.29
